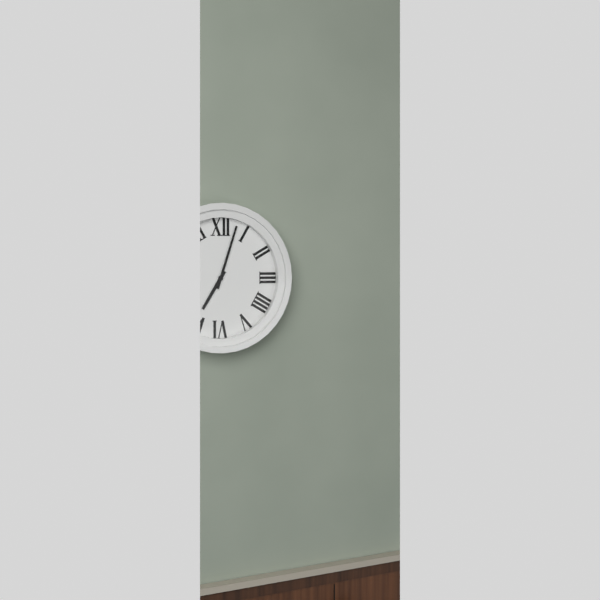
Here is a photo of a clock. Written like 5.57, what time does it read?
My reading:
7.03
